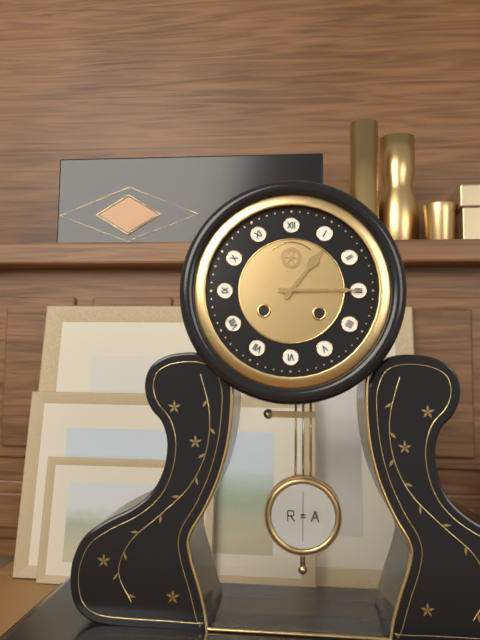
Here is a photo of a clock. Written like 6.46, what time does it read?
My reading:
1.15
